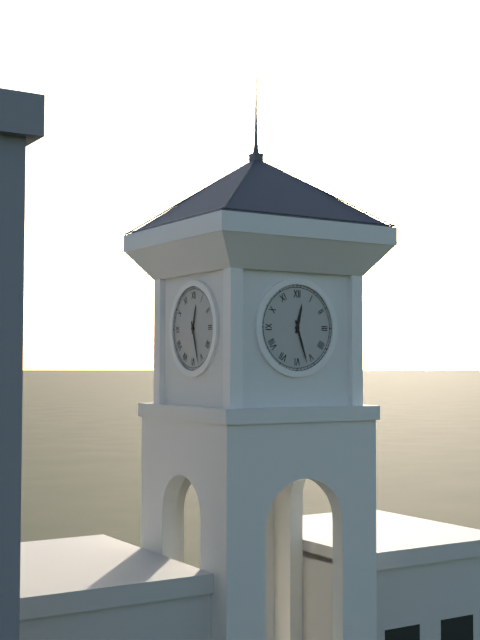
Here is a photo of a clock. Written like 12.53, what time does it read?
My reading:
12.27
